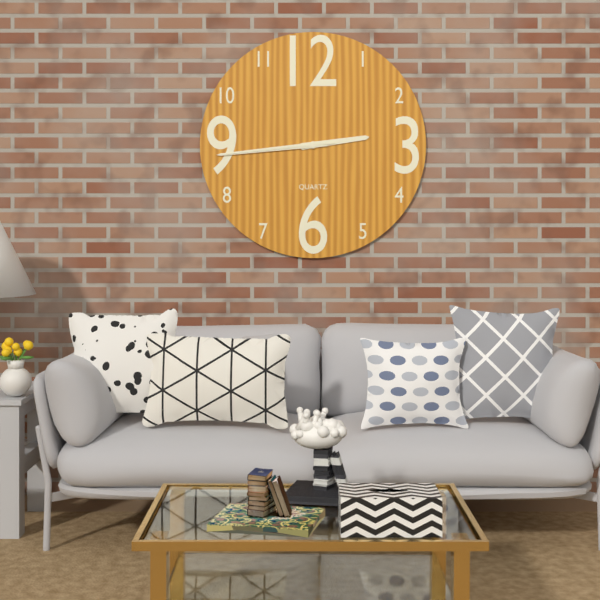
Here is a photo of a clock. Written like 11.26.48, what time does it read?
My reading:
2.44.44
